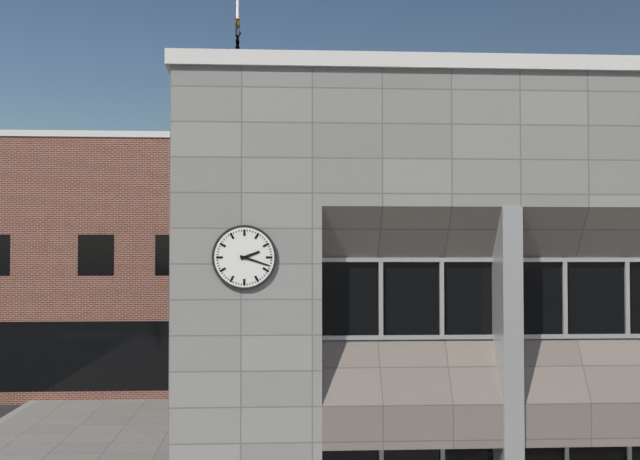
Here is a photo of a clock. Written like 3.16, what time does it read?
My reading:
2.18
